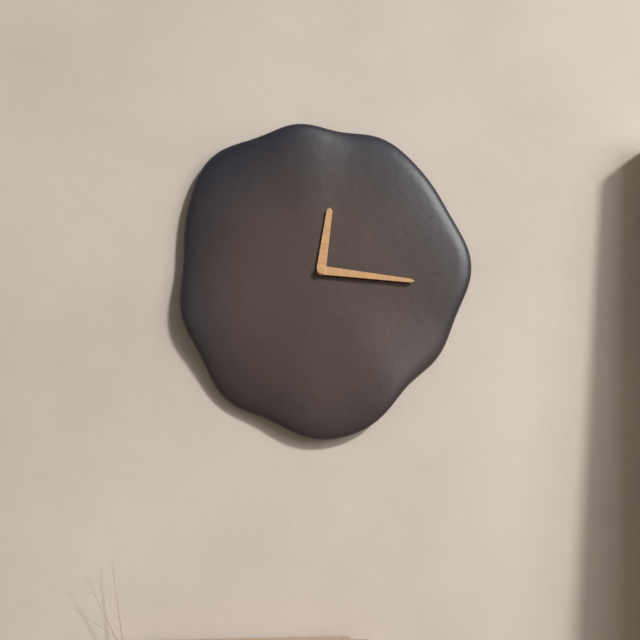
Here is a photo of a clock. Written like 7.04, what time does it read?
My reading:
12.16
